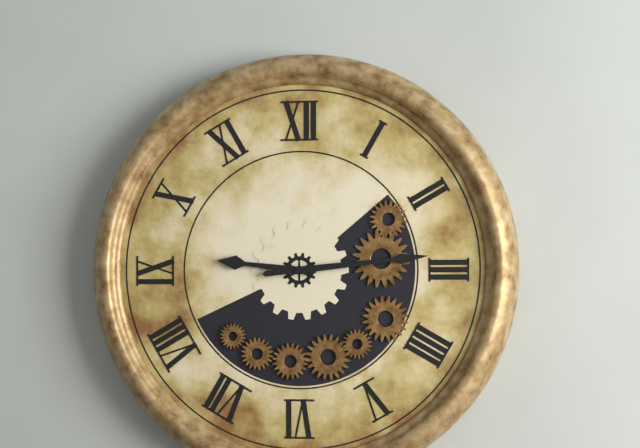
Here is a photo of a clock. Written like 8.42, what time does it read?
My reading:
9.14
